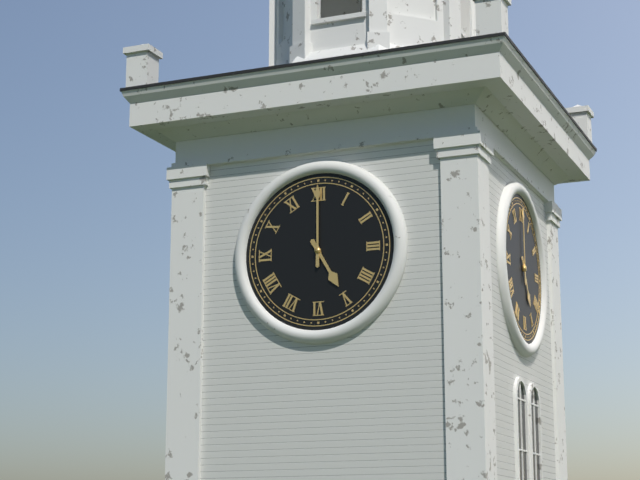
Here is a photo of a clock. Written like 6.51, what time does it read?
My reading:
5.00
